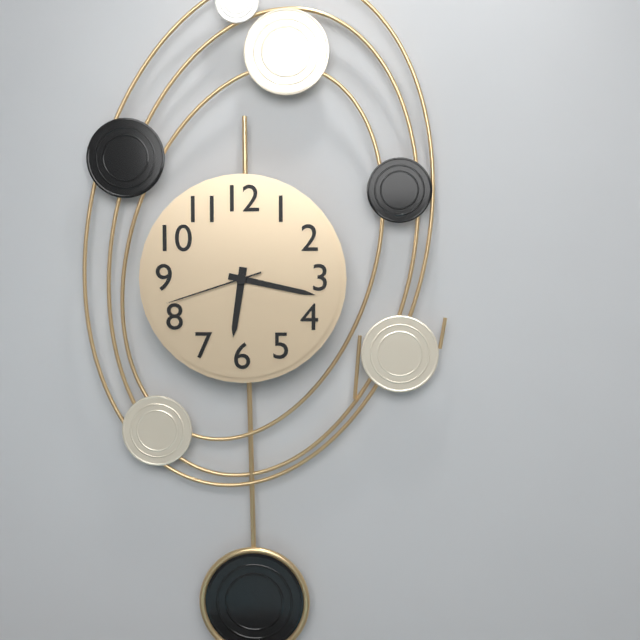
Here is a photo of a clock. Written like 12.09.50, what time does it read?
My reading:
6.17.42
